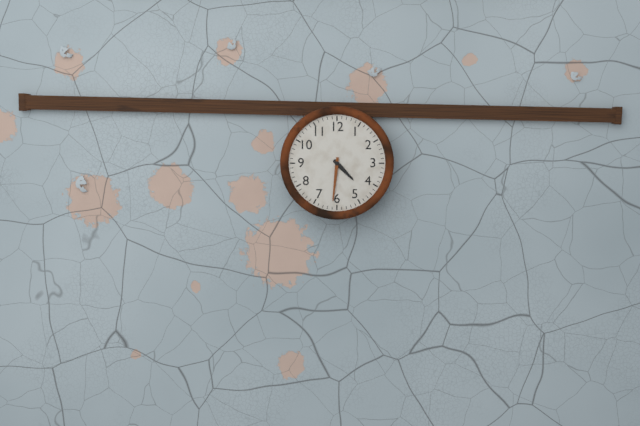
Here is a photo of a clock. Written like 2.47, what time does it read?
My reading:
4.31
